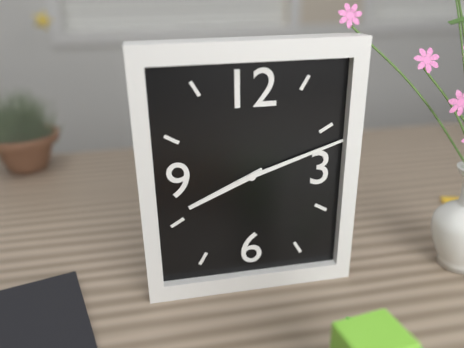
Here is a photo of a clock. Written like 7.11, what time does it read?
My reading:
8.12
